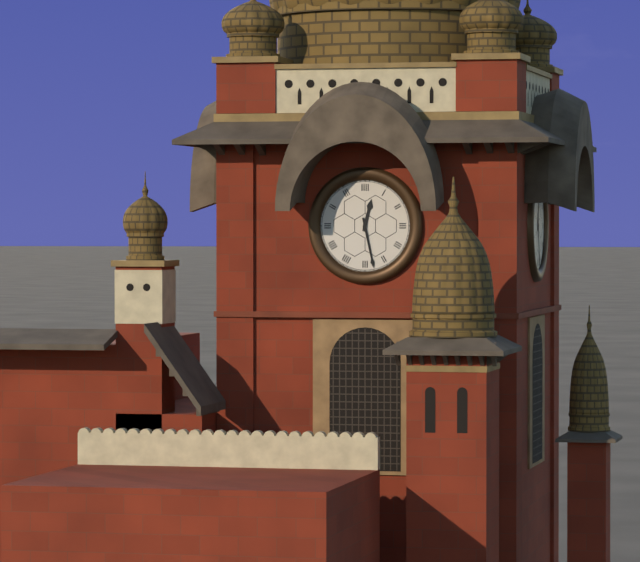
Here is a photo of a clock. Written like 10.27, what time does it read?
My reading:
12.28
